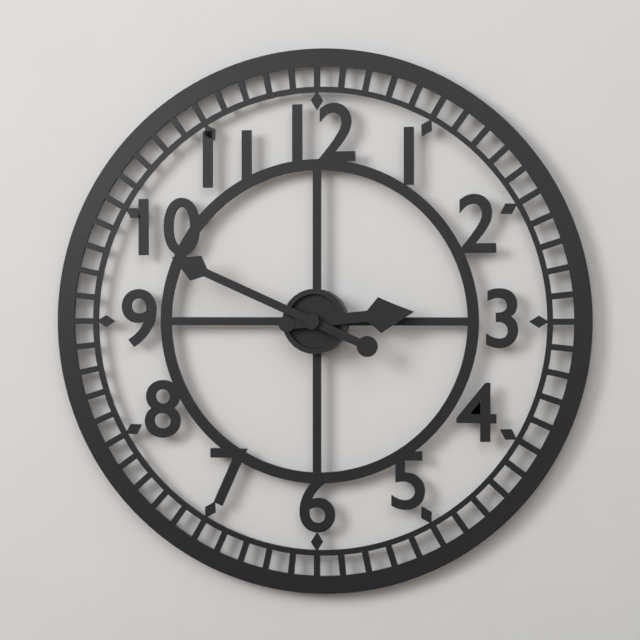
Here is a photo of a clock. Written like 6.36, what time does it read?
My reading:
2.49
